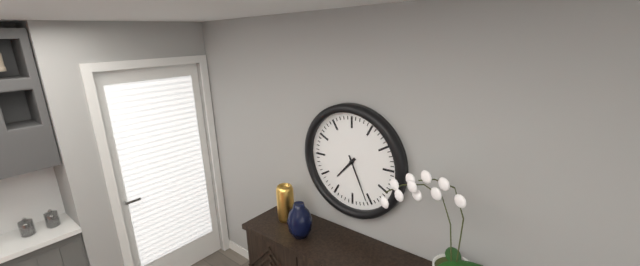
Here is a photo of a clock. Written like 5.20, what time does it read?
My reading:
7.26
